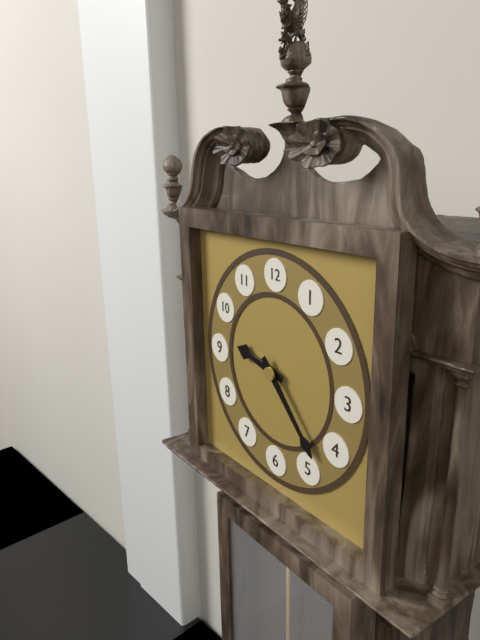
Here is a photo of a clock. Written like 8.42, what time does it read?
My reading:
9.23
